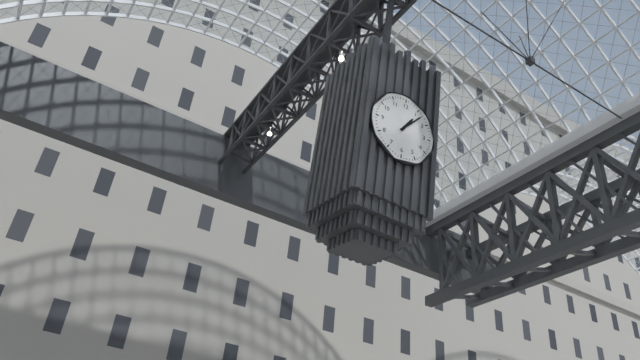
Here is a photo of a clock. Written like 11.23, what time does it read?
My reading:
1.07
